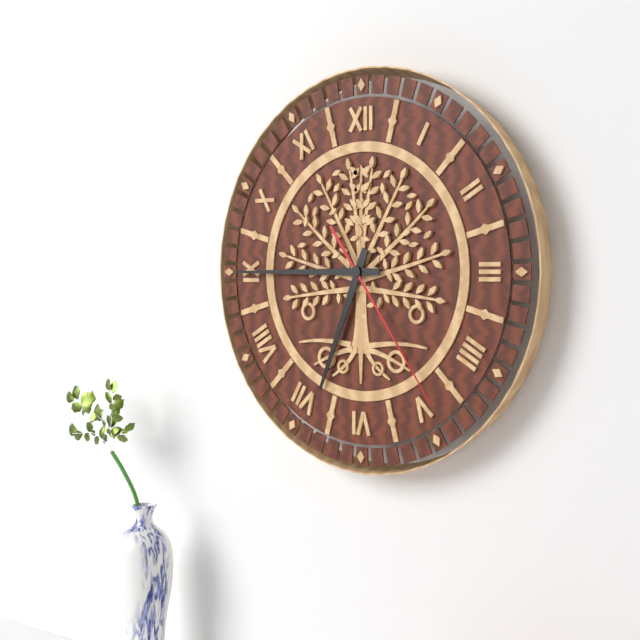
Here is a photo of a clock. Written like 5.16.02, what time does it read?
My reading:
6.45.24
